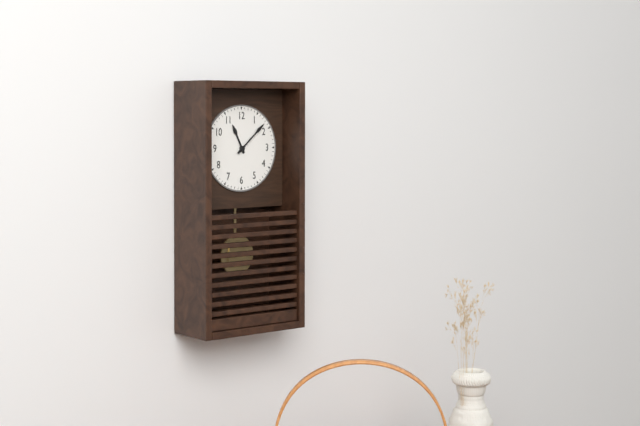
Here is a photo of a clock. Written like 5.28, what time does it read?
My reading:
11.08
